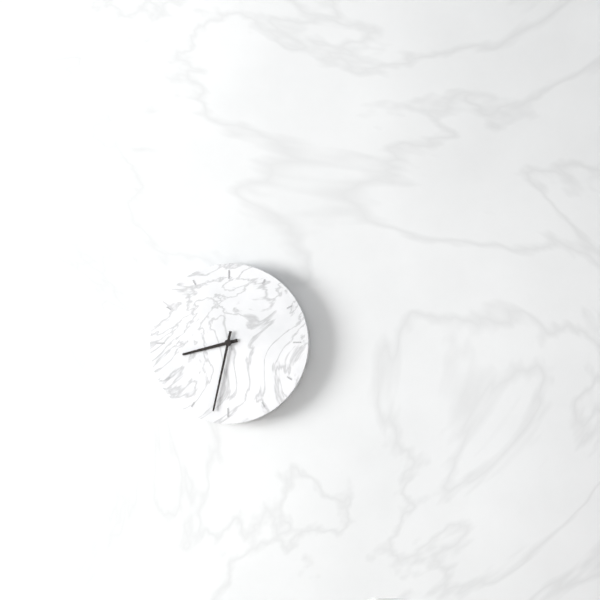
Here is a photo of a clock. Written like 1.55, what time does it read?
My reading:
8.32
